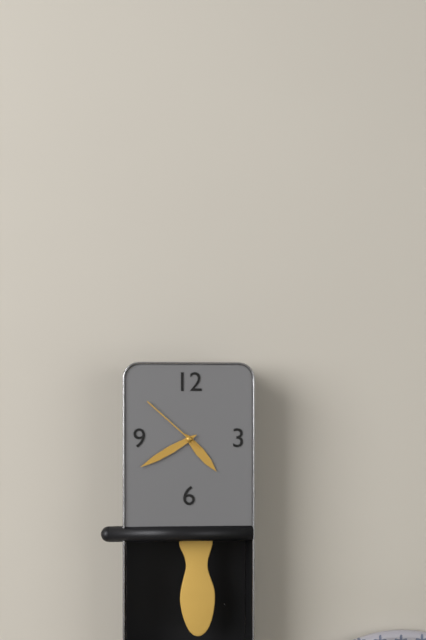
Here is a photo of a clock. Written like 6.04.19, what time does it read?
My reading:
4.40.52
